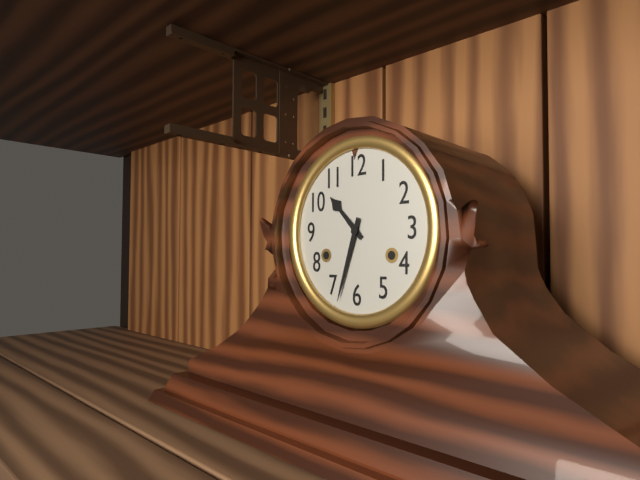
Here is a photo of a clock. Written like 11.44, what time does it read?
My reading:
10.33
